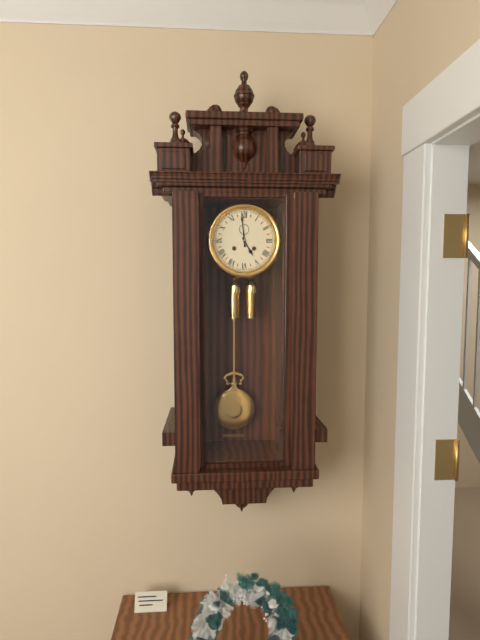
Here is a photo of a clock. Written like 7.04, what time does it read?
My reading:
4.59
